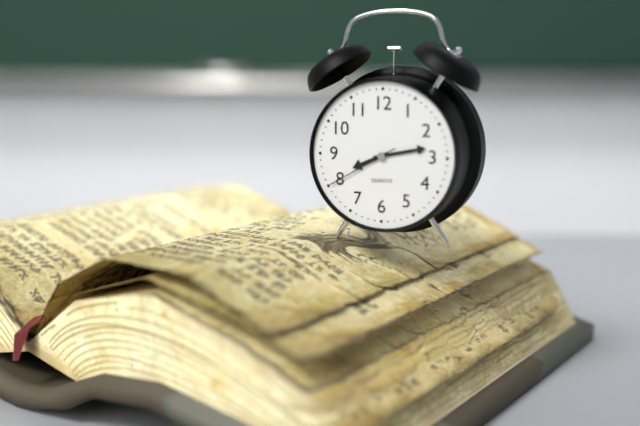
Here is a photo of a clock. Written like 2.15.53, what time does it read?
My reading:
8.13.40
